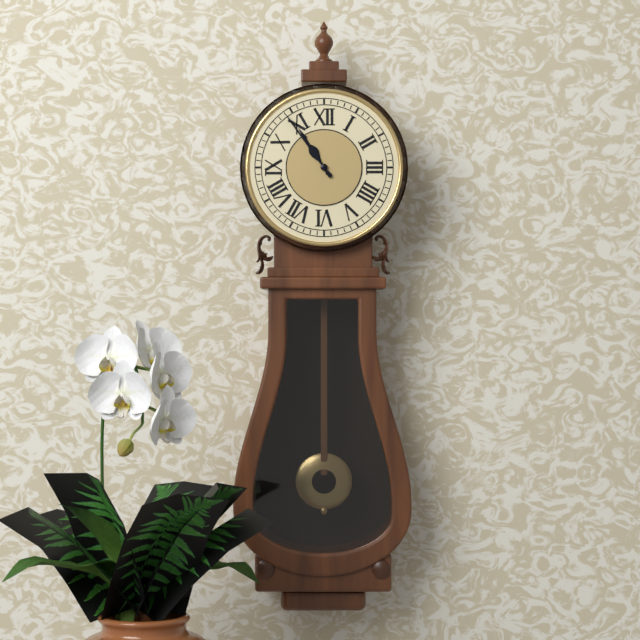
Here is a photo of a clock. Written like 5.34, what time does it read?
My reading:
10.54
